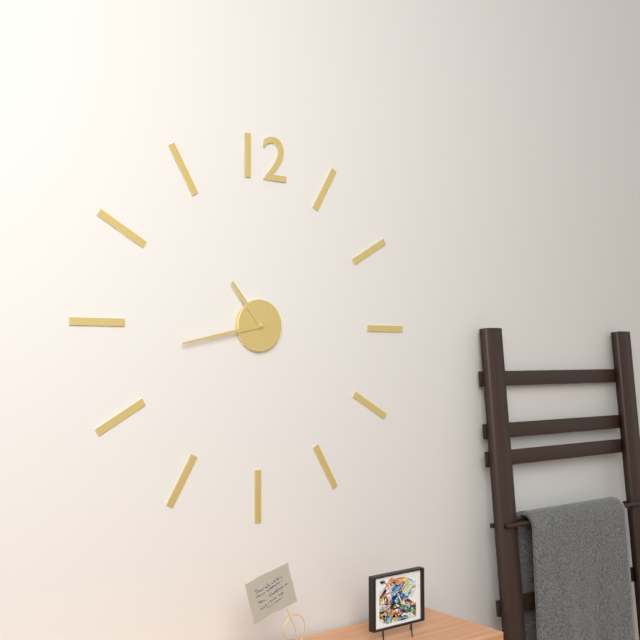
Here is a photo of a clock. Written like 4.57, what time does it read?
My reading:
10.43
